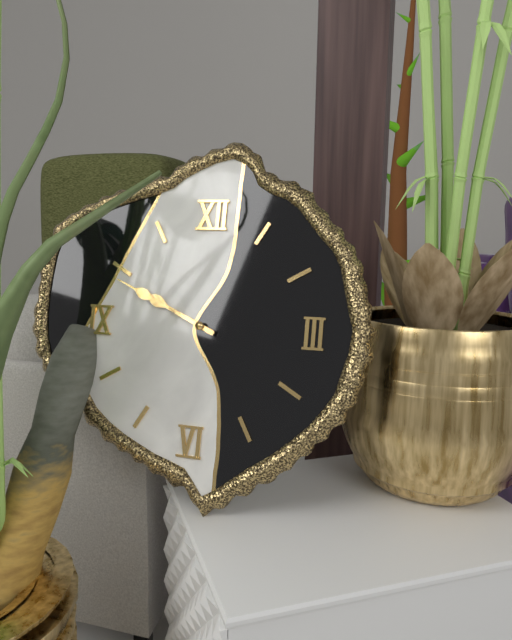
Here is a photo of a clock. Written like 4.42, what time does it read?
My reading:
9.49
